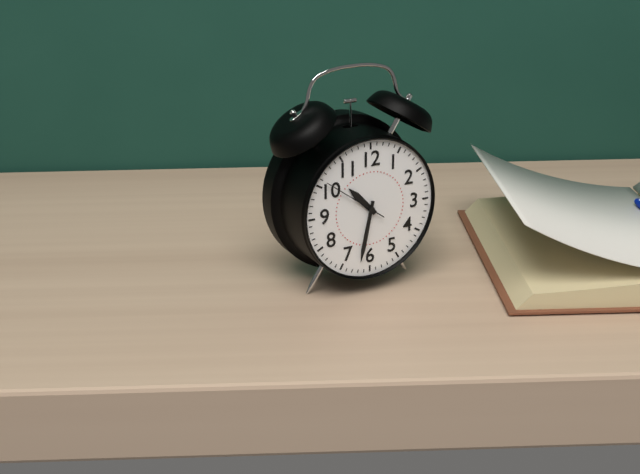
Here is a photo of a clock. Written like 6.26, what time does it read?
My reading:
10.32
